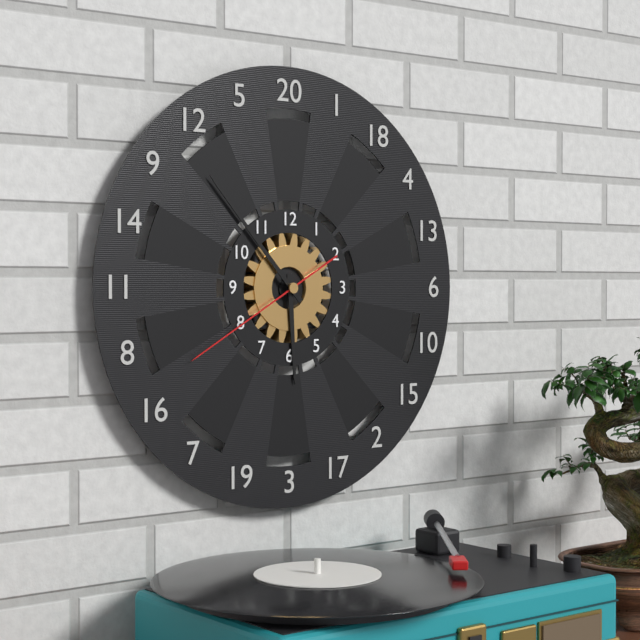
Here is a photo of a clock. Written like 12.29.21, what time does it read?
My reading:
5.53.40
